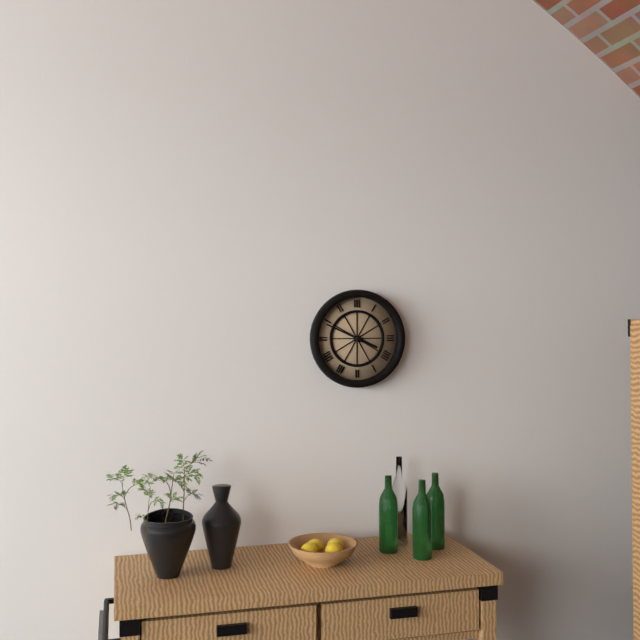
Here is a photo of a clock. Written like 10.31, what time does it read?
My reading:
3.49
